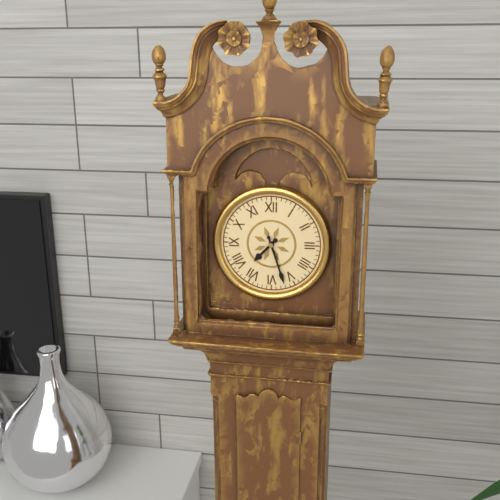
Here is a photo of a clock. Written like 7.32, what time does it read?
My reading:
7.27
